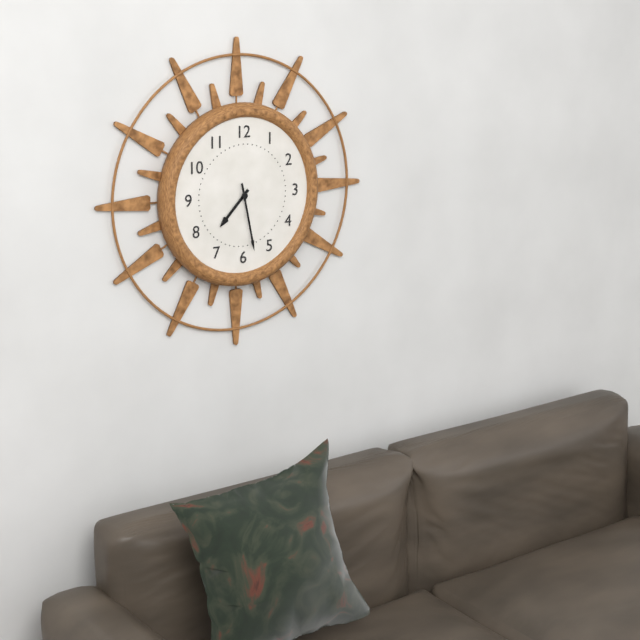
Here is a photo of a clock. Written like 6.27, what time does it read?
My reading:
7.28
